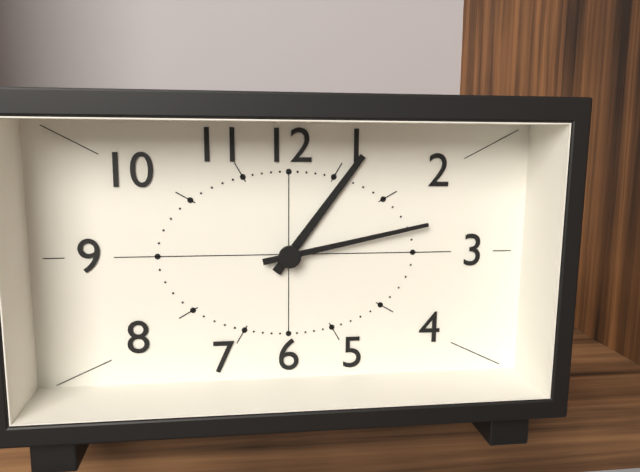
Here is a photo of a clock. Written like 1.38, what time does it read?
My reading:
1.13
